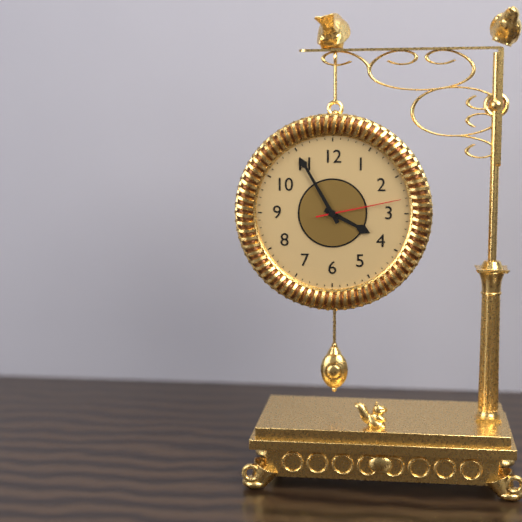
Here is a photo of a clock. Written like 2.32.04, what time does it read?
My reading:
3.55.13
